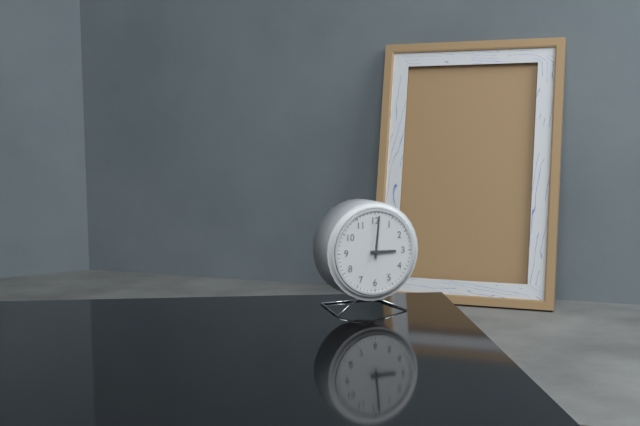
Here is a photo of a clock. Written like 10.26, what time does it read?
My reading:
3.01
